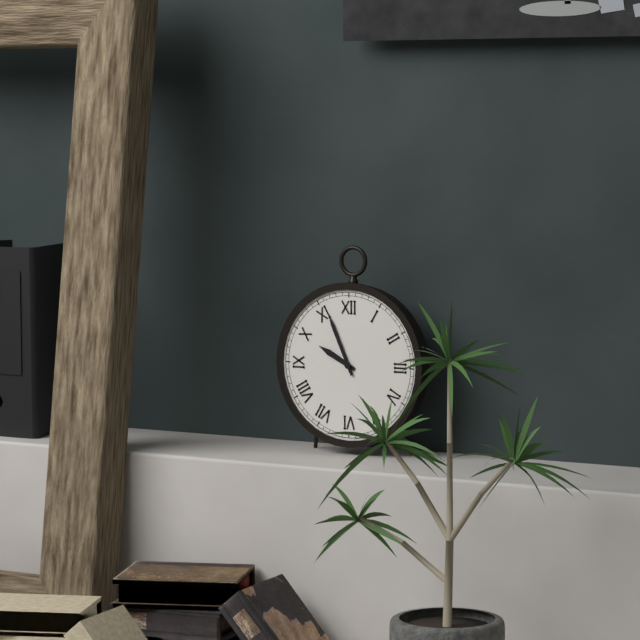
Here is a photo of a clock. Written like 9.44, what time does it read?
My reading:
9.56
